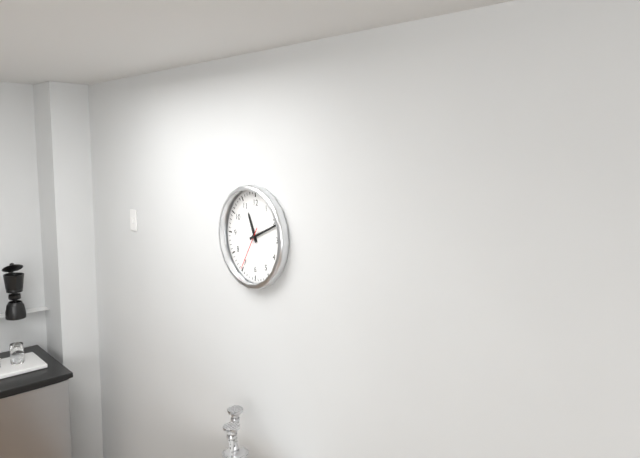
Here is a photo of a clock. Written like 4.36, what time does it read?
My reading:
11.11
